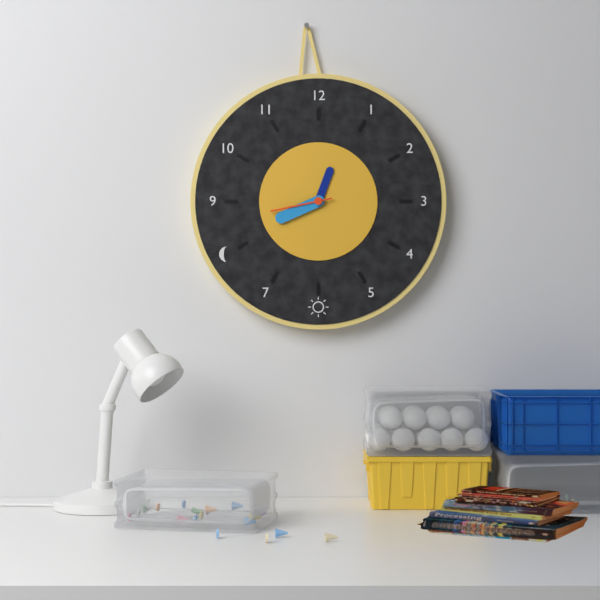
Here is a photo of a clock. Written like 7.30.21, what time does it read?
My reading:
12.41.43
